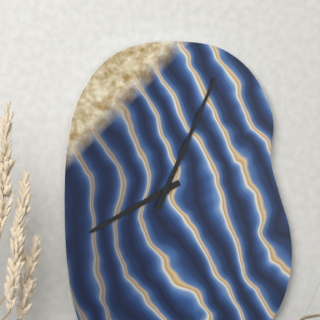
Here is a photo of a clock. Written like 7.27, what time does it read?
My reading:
8.04
